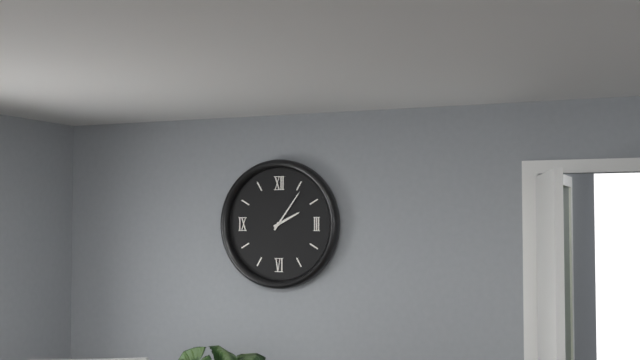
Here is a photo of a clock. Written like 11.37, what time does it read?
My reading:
2.06
